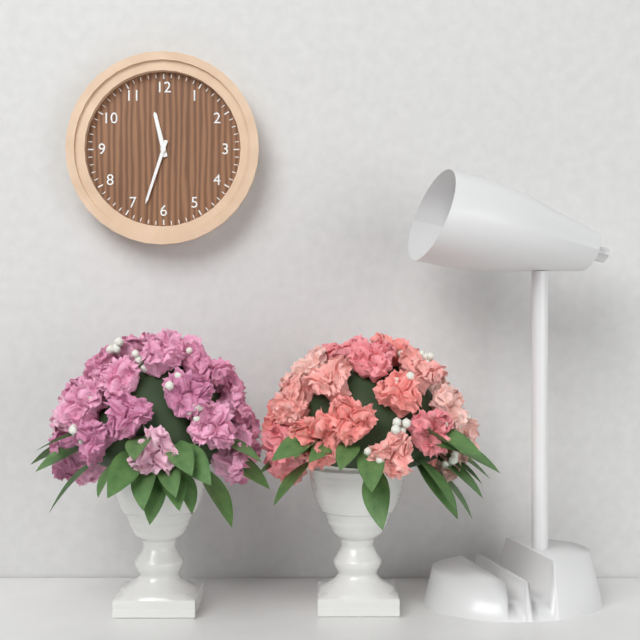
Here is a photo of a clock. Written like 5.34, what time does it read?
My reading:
11.33
